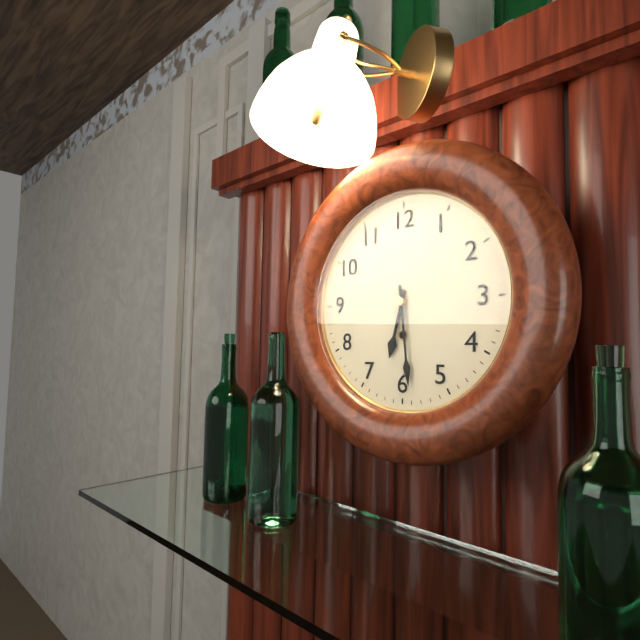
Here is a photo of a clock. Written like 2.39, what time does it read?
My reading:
6.29
